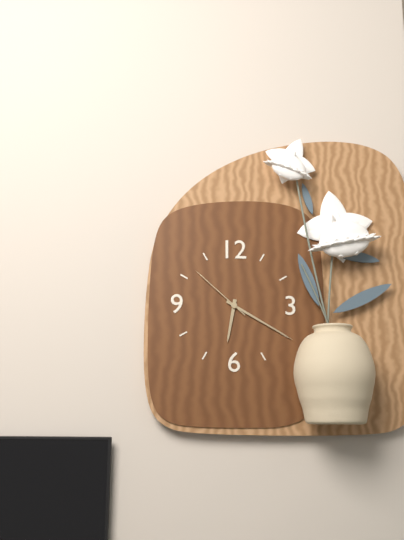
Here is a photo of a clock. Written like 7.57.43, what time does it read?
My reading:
6.20.52
